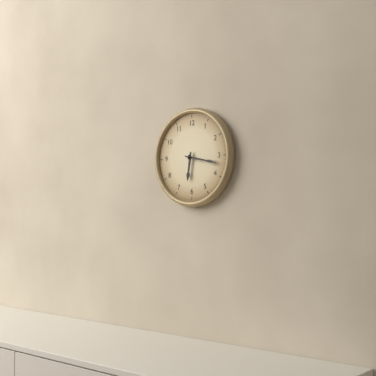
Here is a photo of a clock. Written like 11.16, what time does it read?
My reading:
6.17
